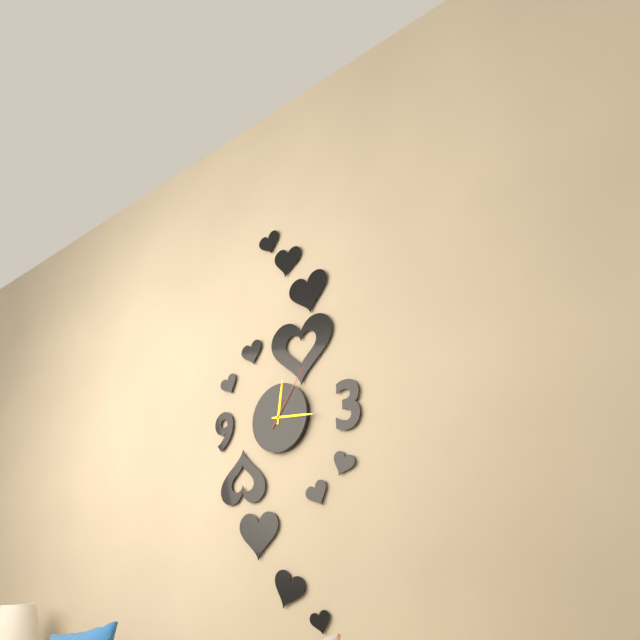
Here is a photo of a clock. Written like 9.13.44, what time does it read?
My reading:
12.16.06
